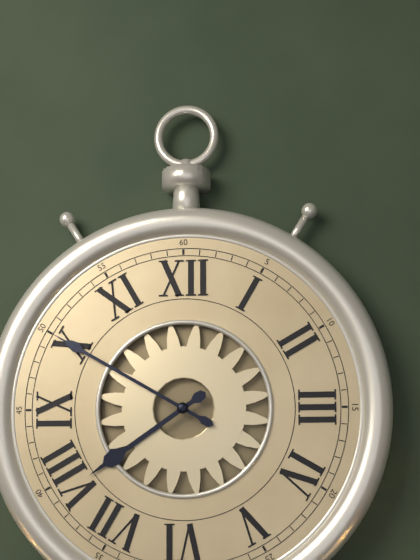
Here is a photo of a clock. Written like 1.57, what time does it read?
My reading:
7.50
